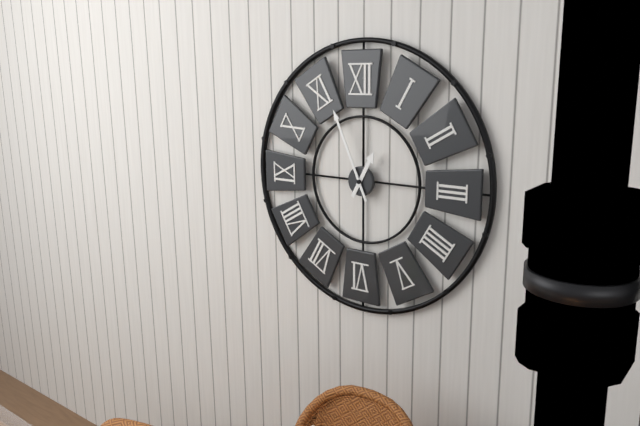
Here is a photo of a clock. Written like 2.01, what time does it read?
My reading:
12.56
